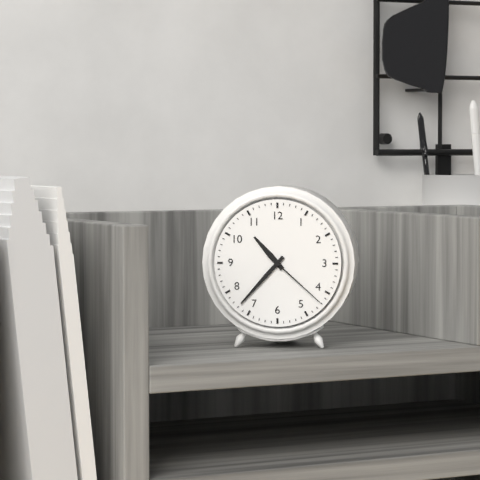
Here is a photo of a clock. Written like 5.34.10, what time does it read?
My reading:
10.37.22
